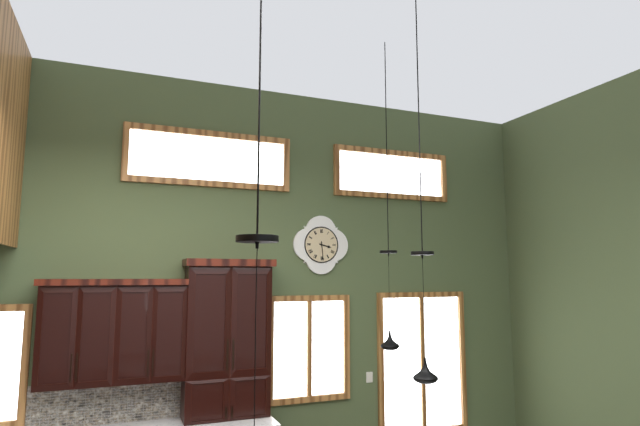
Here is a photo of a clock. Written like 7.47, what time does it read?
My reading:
3.29
